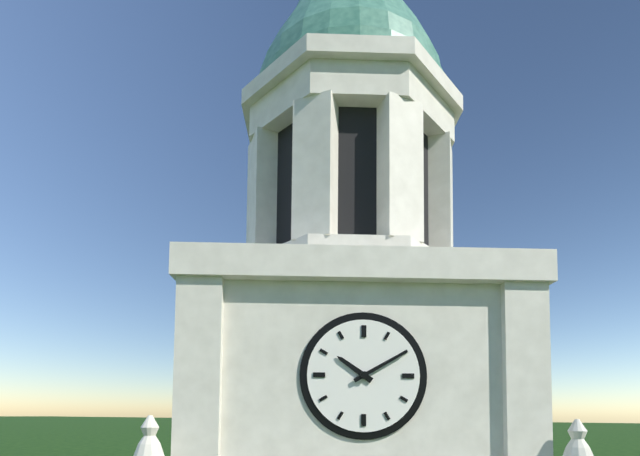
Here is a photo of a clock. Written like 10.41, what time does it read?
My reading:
10.10
